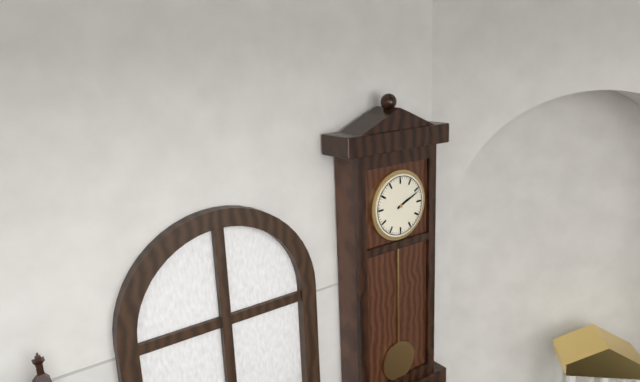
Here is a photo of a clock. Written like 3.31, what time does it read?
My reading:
2.11
